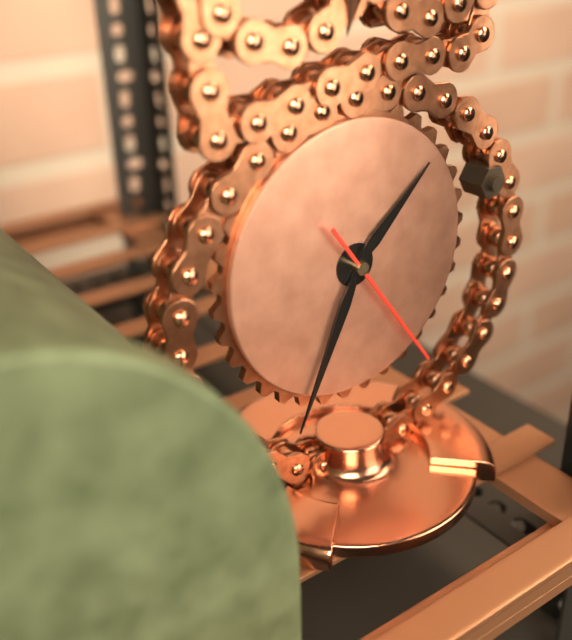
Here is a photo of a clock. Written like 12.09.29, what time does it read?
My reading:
1.34.24
